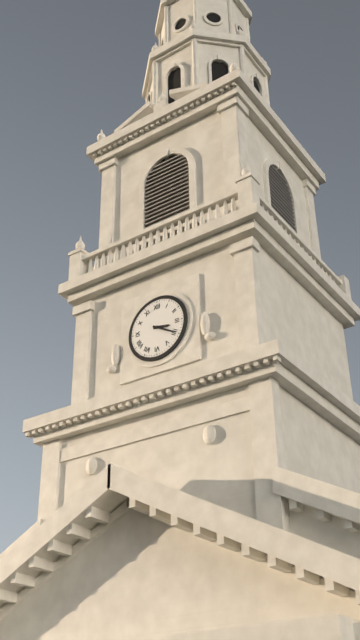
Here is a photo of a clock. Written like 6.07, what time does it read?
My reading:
3.20
